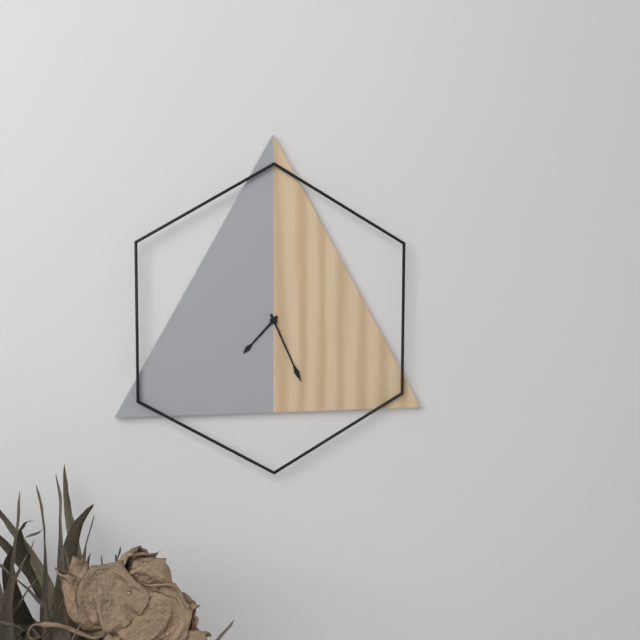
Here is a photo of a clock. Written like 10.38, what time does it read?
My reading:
7.26
